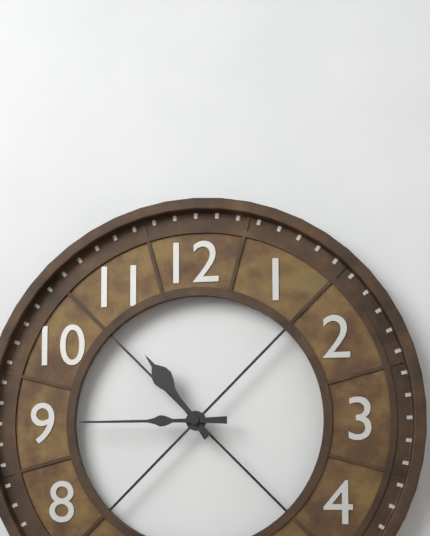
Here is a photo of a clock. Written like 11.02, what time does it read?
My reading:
10.45
